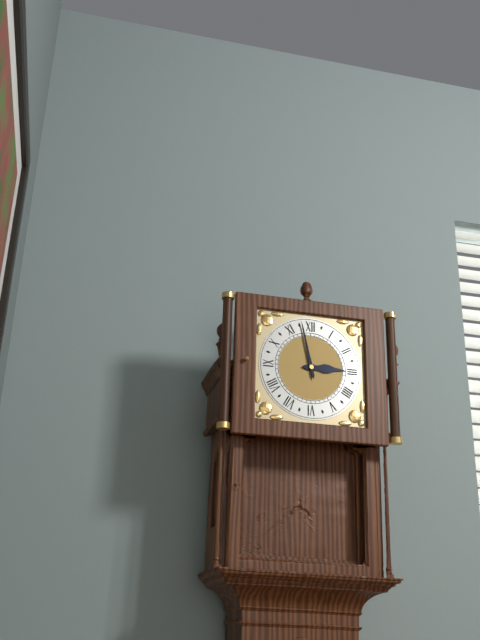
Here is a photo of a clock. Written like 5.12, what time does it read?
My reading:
2.58
